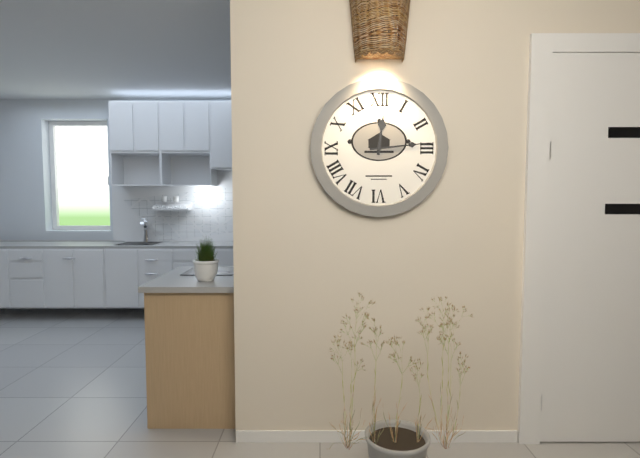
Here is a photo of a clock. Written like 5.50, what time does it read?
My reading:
12.14
